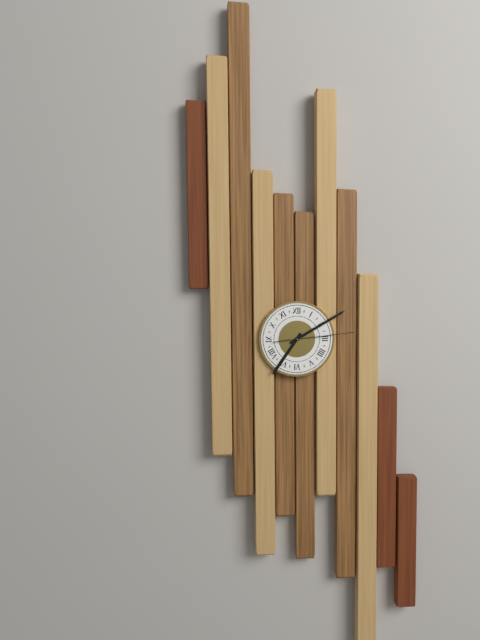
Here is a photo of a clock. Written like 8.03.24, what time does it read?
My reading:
7.10.14
